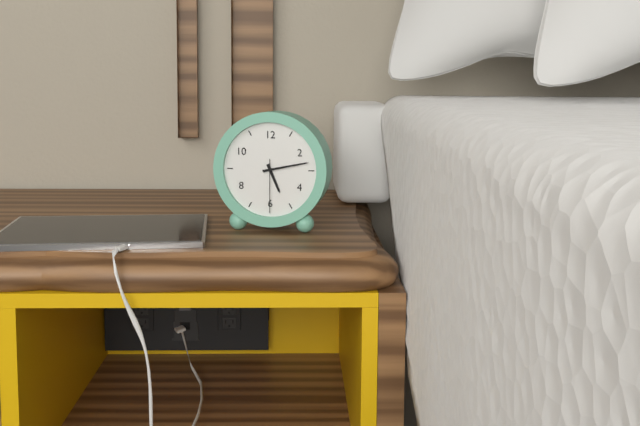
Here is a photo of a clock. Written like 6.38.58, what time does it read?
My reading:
5.13.30
